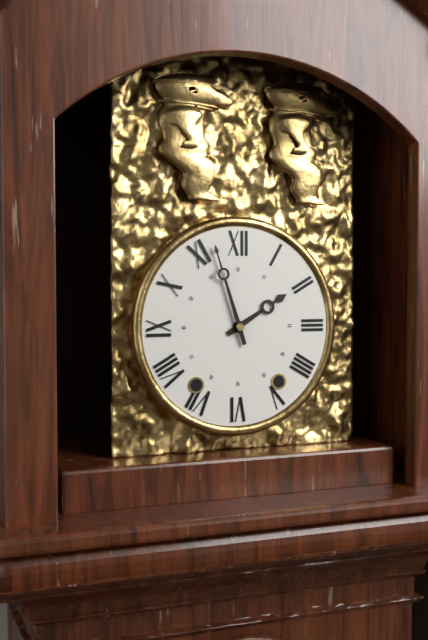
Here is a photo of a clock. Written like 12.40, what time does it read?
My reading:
1.57
